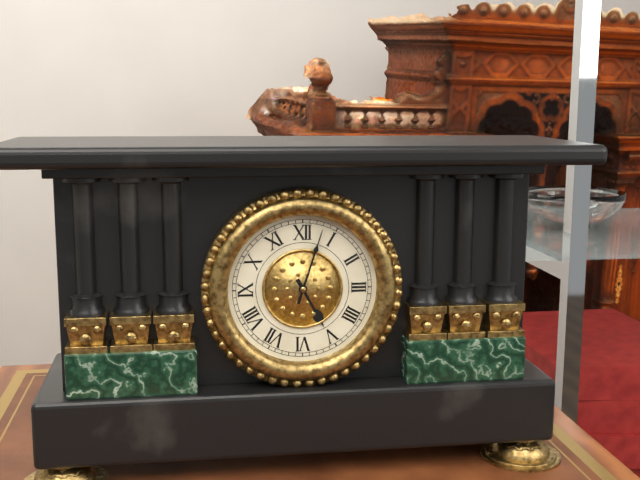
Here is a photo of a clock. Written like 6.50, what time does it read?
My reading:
5.03
